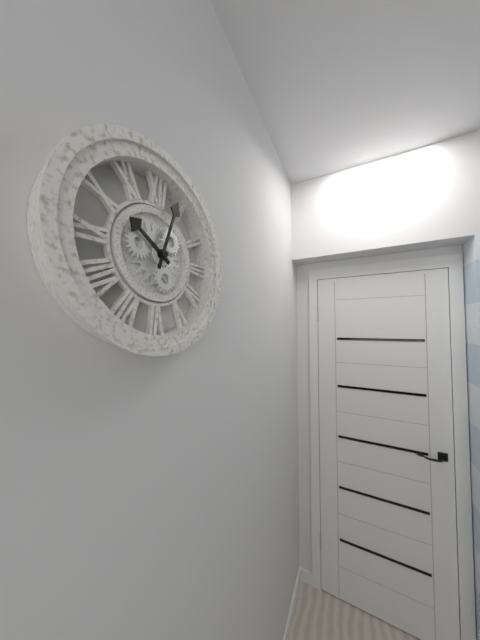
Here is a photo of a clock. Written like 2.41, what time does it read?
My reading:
10.03
